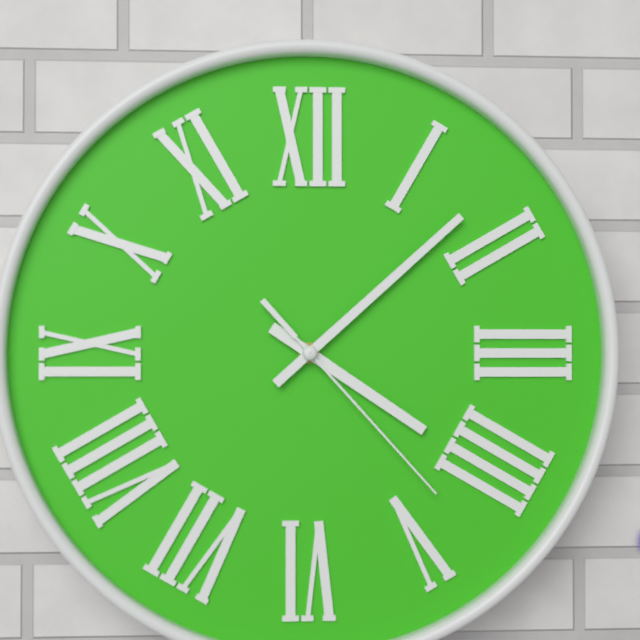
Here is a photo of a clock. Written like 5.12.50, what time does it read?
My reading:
4.08.23
